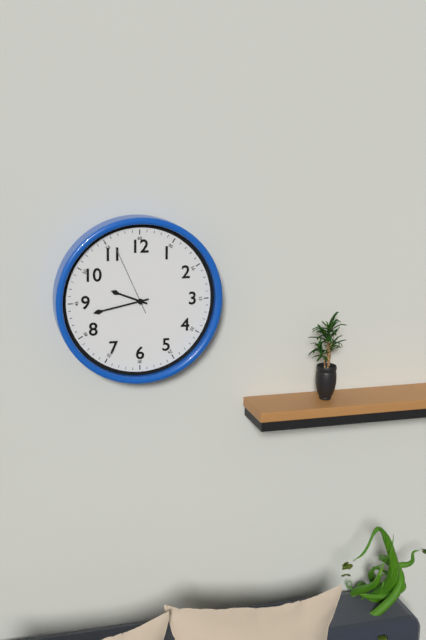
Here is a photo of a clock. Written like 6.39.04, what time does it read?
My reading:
9.43.56
